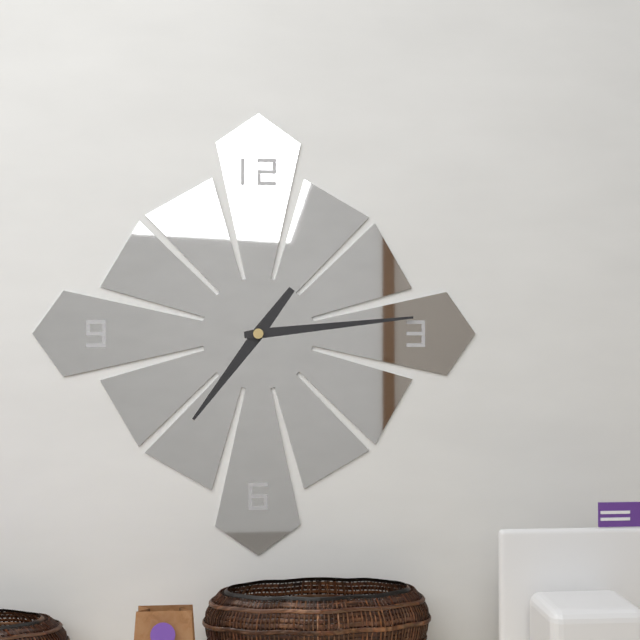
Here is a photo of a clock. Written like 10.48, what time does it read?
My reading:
7.14
